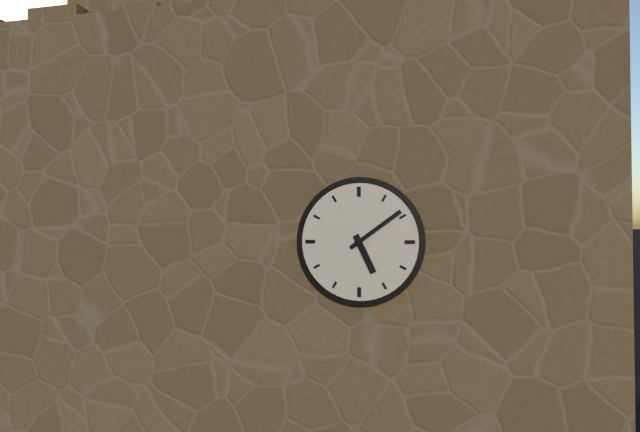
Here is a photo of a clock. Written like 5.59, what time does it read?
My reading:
5.09
